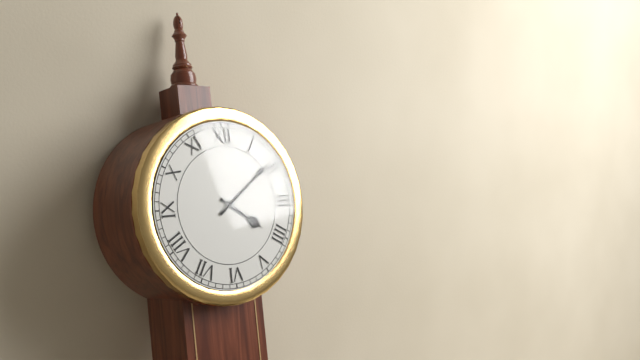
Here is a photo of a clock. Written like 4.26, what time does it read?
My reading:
4.09
